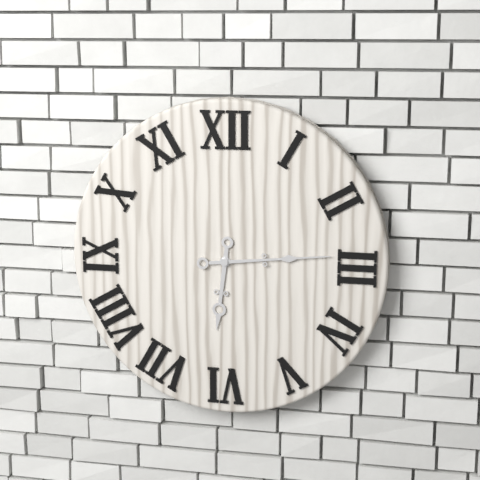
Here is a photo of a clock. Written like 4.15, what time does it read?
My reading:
6.14
